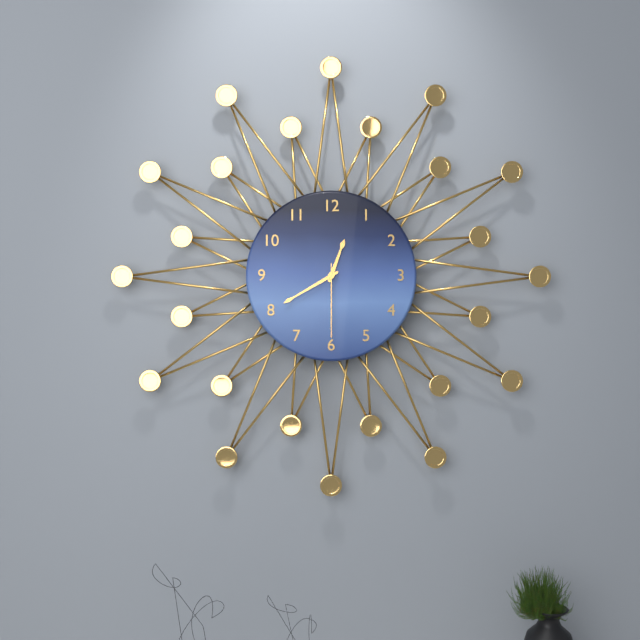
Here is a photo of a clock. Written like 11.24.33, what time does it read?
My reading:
12.40.30
